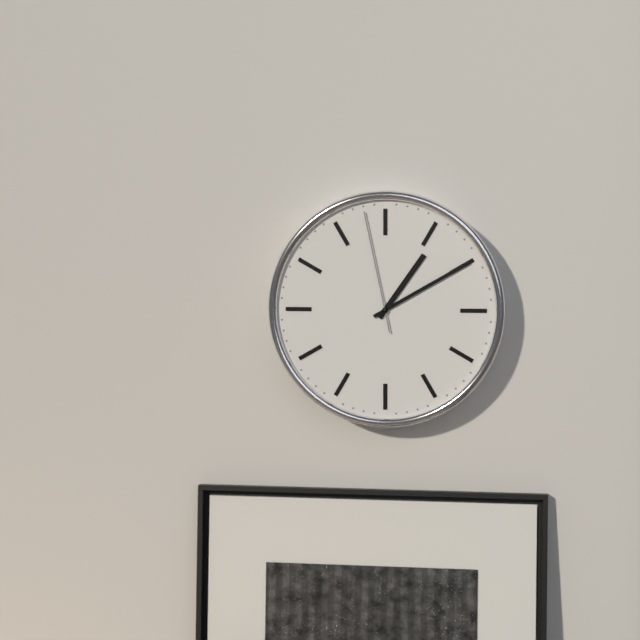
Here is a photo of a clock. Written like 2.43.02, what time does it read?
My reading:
1.10.58
